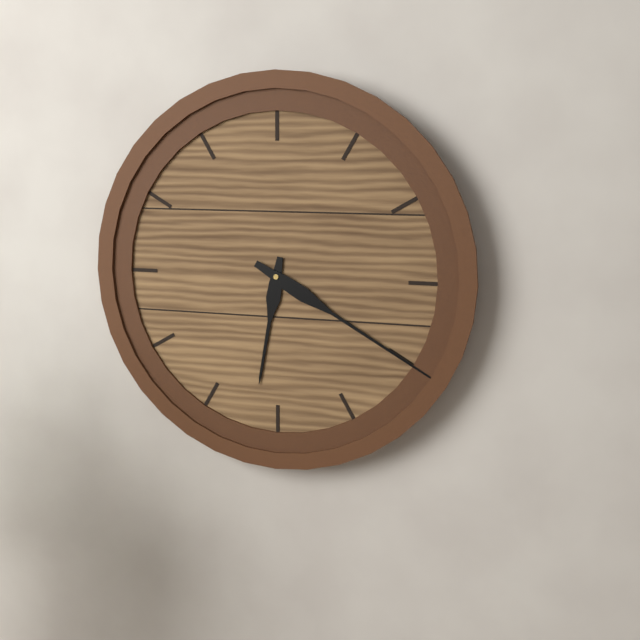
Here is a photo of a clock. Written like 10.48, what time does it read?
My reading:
6.20
